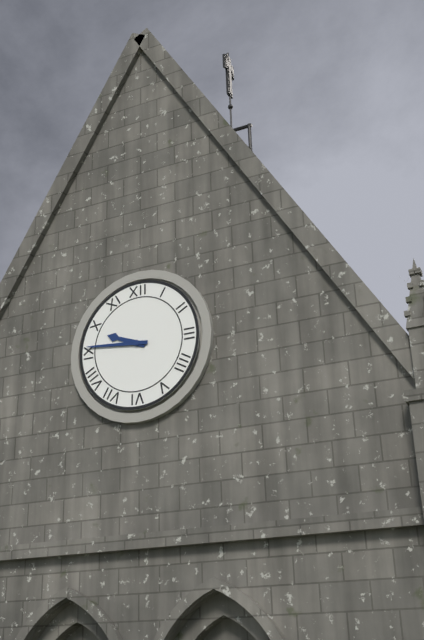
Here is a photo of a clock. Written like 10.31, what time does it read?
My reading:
9.46
